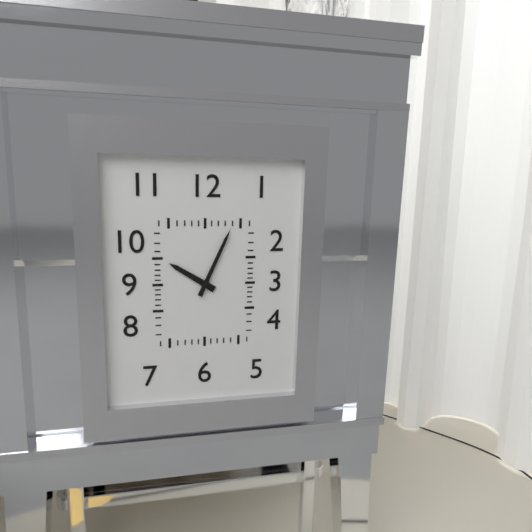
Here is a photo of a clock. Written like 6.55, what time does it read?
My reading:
10.04
